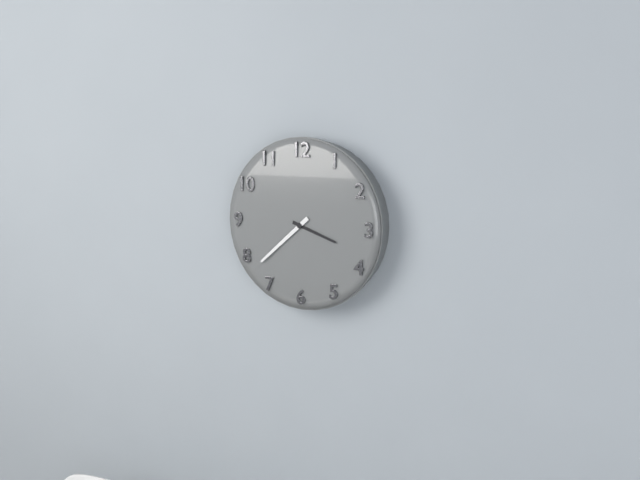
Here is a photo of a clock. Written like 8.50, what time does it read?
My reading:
3.38
